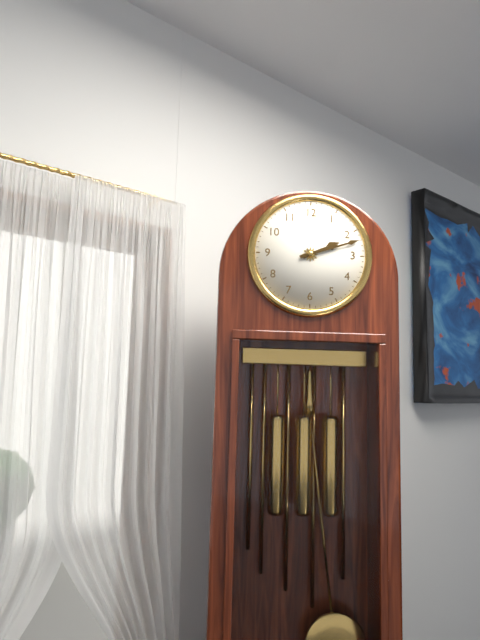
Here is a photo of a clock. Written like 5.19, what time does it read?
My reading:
2.12
